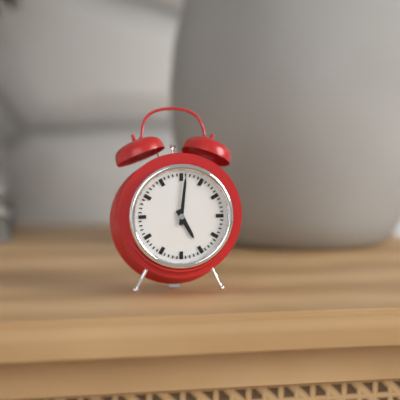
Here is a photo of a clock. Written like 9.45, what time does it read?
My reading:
5.01
